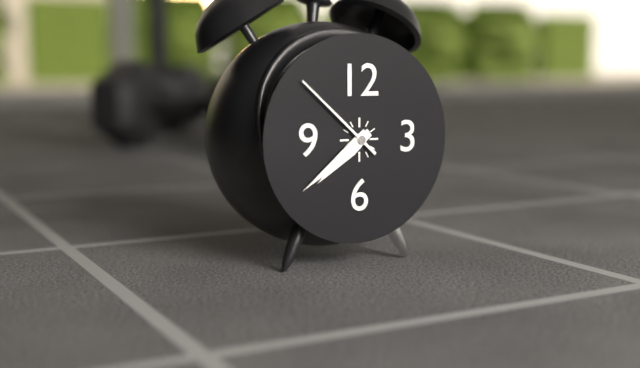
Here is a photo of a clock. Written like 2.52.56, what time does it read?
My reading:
7.39.52
